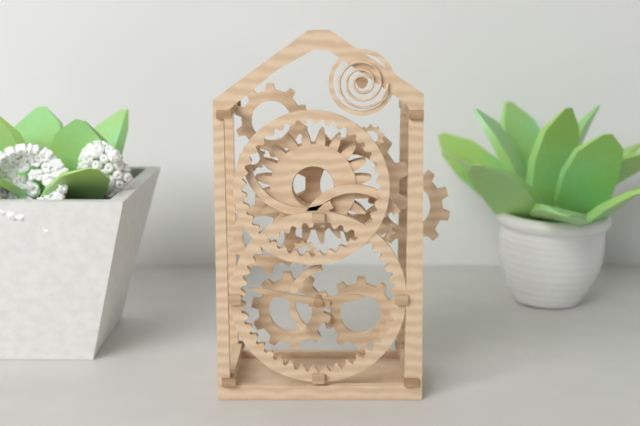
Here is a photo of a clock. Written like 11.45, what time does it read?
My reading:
2.47
